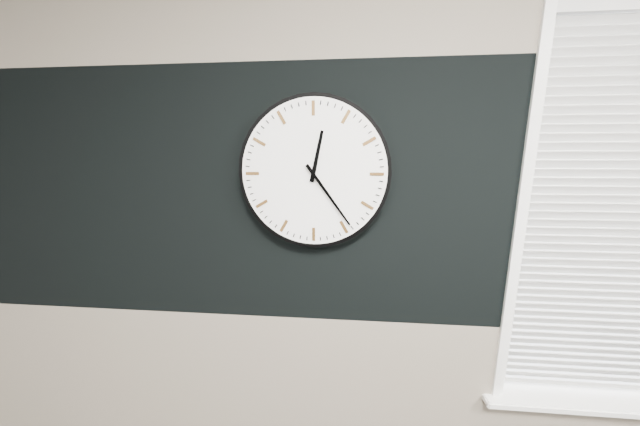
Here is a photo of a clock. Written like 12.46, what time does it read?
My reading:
12.24
